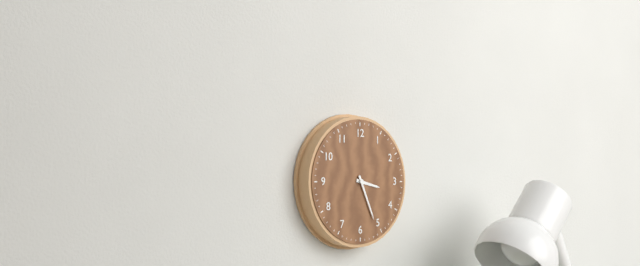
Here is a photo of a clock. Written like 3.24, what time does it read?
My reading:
3.26
